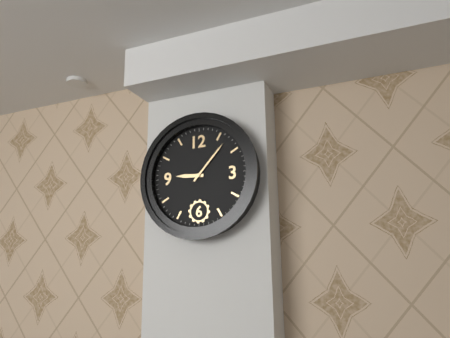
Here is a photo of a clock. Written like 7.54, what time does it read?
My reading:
9.07
